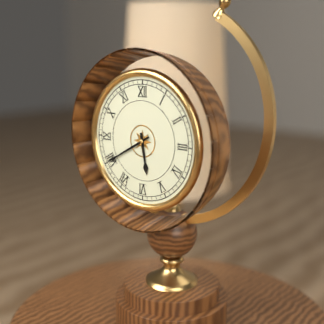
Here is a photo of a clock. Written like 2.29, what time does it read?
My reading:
5.40
